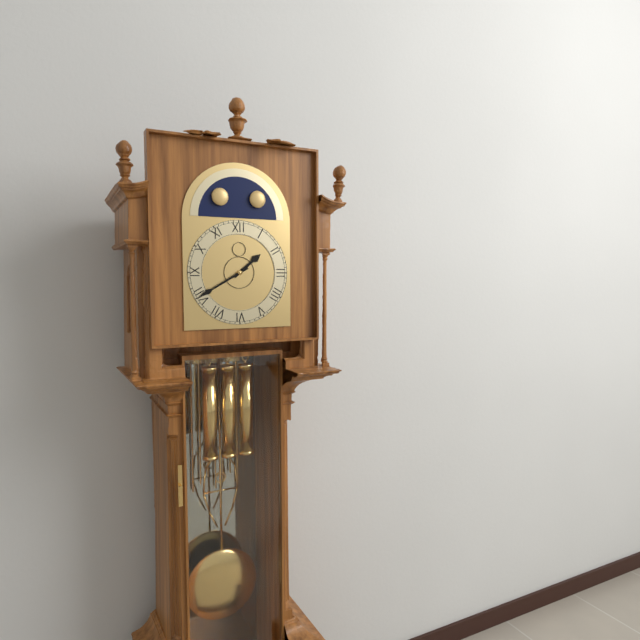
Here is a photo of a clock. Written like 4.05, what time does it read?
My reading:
1.40
